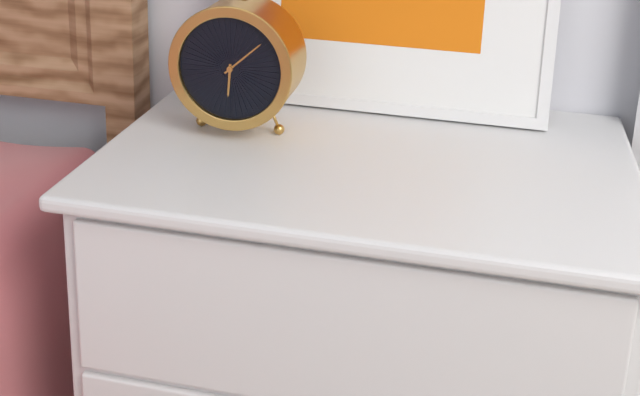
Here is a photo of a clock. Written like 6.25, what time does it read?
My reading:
6.08
